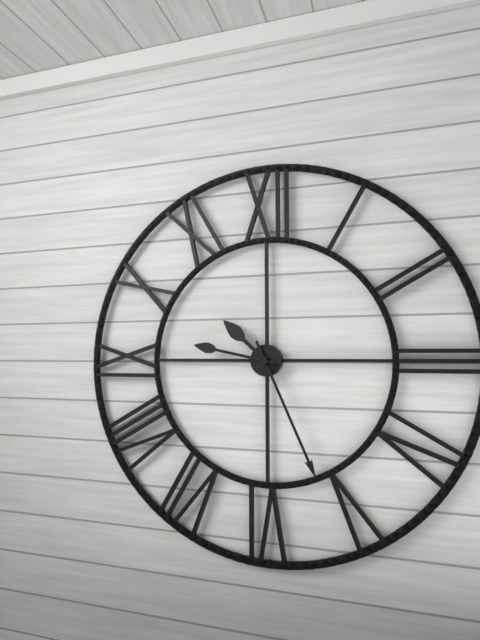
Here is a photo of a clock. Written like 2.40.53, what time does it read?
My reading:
10.26.47
